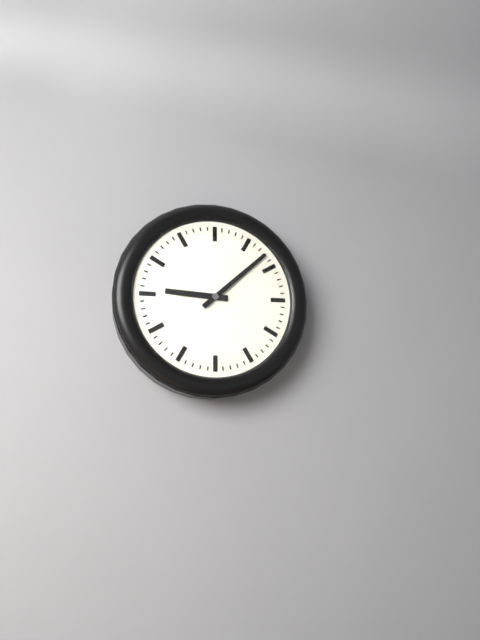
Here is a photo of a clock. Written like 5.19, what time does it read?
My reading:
9.08
